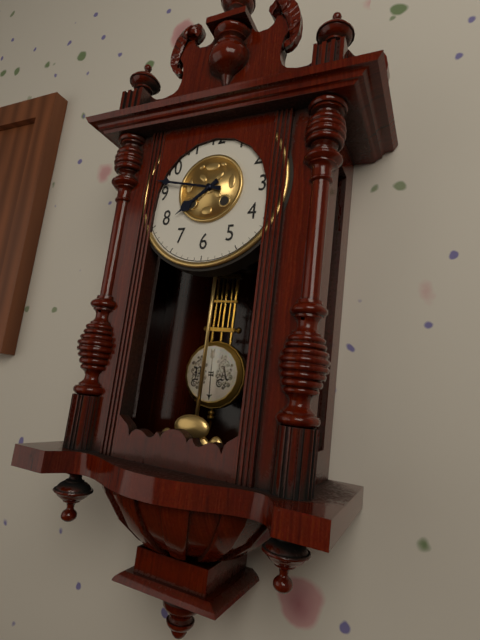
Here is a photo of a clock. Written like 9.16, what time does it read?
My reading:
7.47
